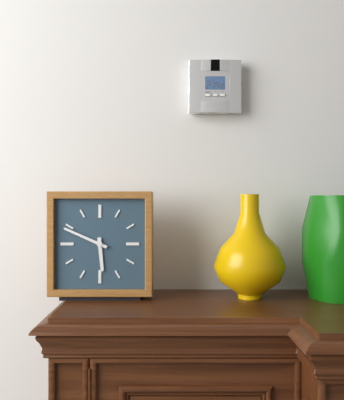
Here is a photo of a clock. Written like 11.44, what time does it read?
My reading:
5.49
